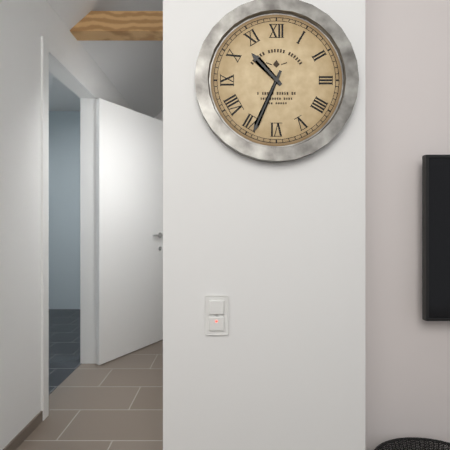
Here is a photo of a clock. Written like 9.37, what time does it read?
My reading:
10.34
